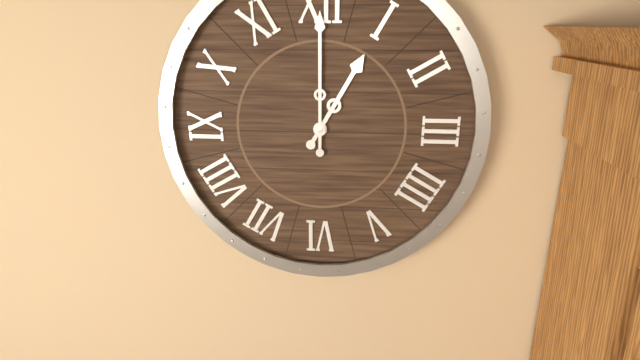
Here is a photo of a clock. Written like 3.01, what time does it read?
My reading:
1.00
